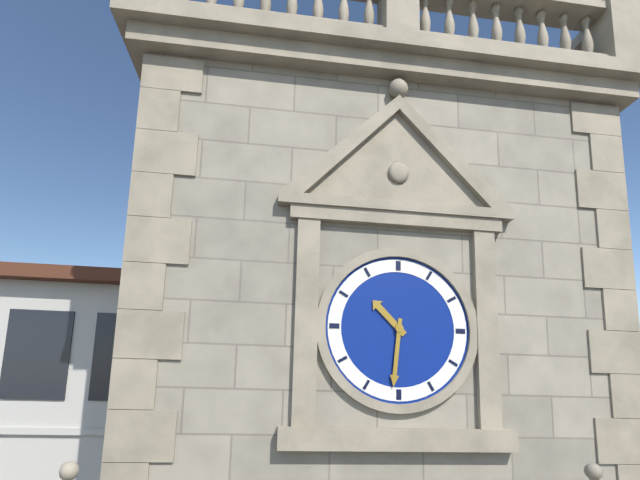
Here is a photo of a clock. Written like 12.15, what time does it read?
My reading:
10.31
